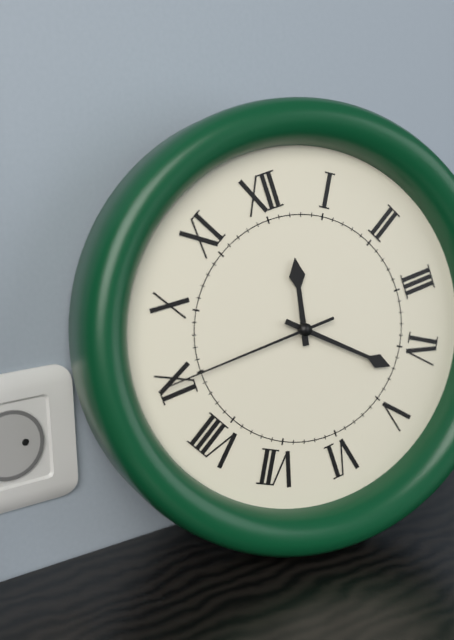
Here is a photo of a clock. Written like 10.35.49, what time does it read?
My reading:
12.22.45
